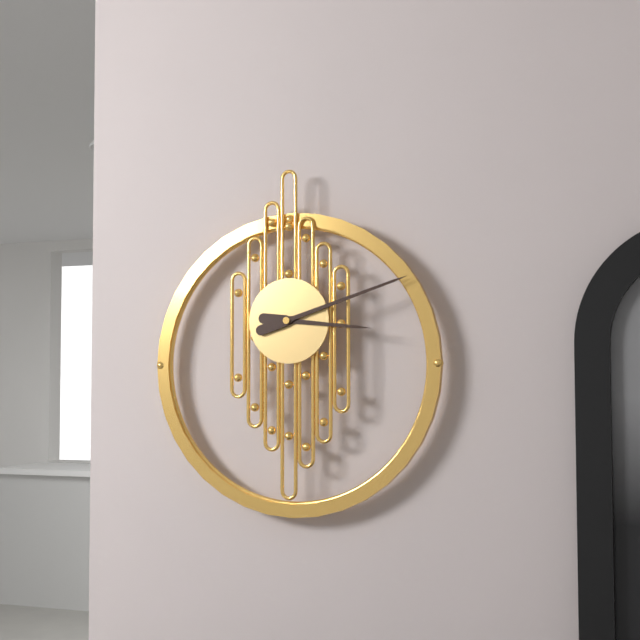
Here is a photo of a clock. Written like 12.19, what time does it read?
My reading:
3.12
